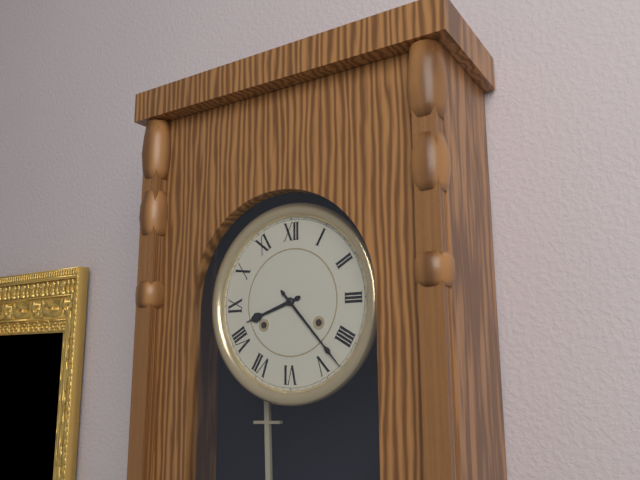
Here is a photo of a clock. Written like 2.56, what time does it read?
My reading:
8.23
